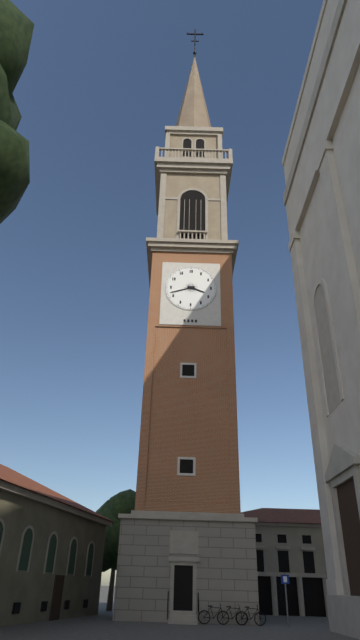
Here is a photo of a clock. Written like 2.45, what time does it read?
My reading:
3.42
